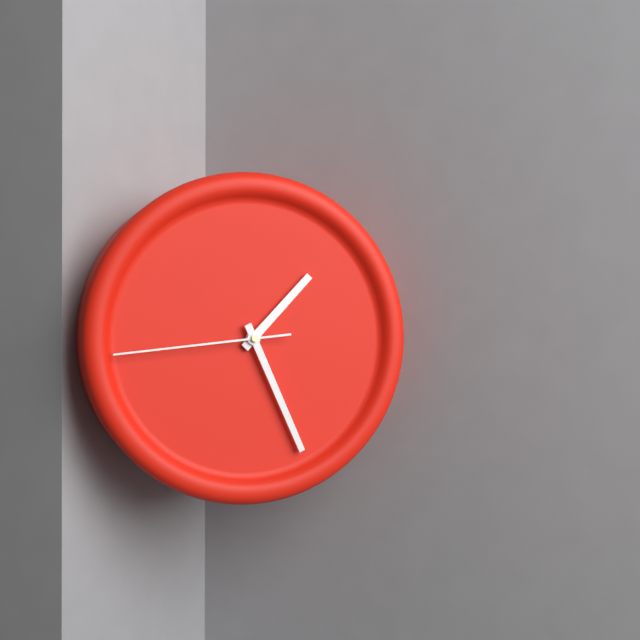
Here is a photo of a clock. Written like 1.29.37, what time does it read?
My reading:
1.26.44
